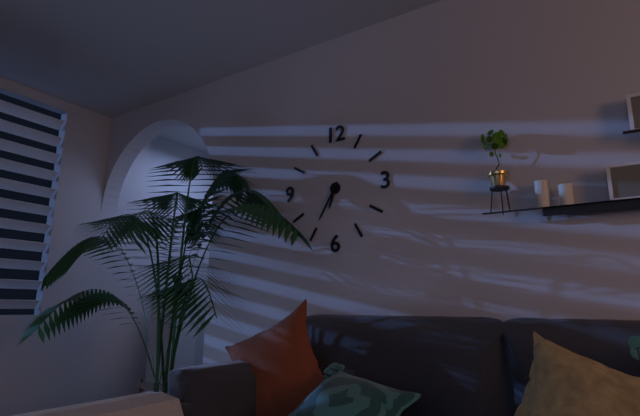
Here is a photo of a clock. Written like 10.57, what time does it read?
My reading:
6.35
